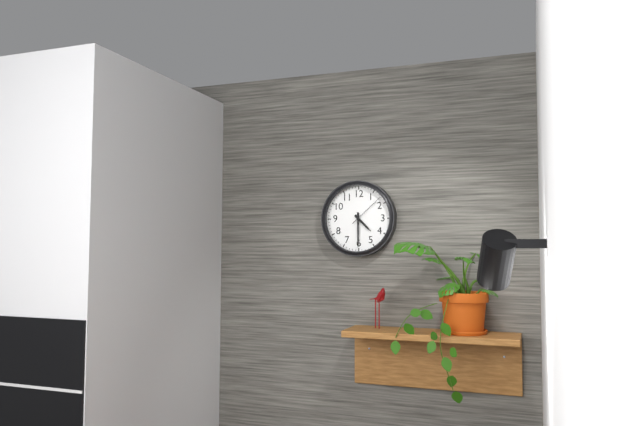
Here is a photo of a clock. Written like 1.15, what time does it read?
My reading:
4.30
